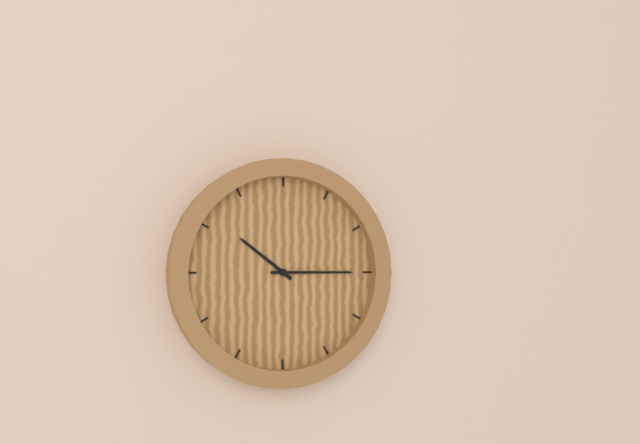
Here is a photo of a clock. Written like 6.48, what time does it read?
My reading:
10.15
